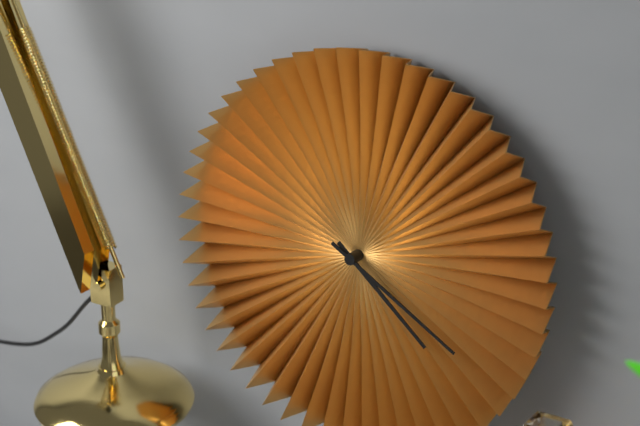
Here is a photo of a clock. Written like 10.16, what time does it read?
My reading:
4.20
